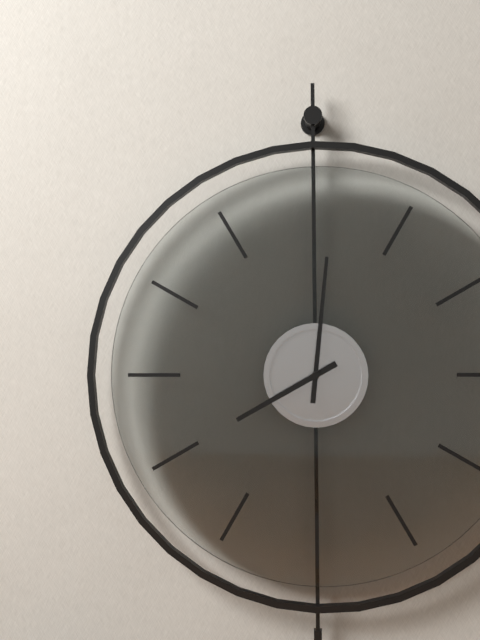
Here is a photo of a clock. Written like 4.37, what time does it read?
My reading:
8.01
